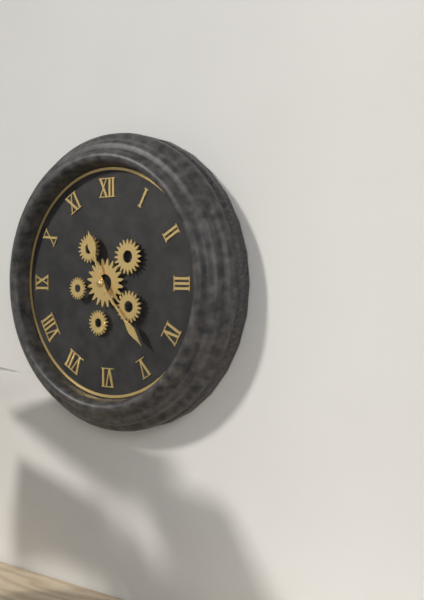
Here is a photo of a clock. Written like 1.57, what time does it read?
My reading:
11.23
